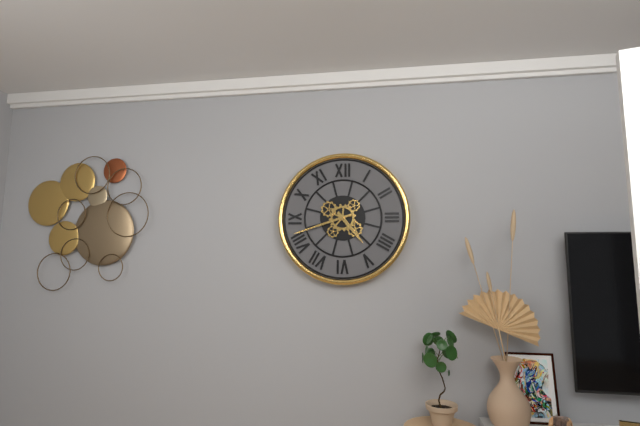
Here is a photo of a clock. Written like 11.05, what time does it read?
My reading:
4.42
